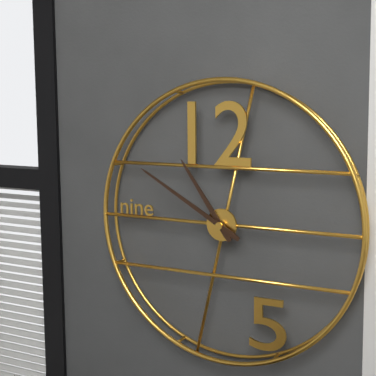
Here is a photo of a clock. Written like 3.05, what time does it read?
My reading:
10.50
